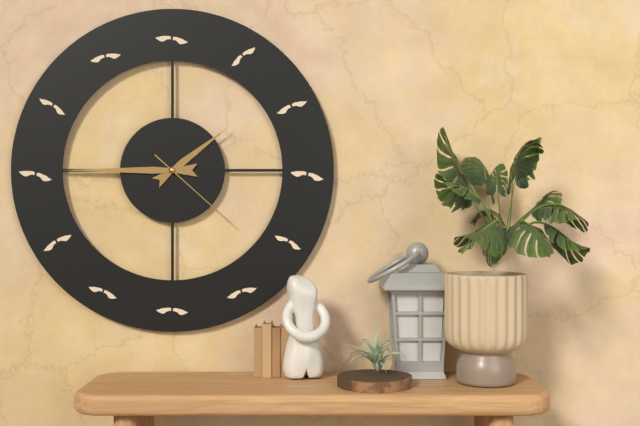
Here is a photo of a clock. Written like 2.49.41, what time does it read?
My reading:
1.45.22
